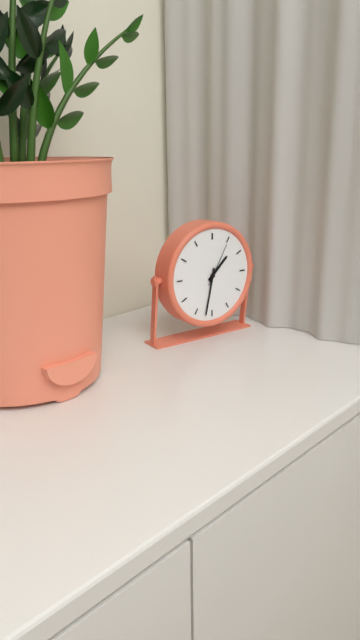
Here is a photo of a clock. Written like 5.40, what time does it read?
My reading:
1.32
